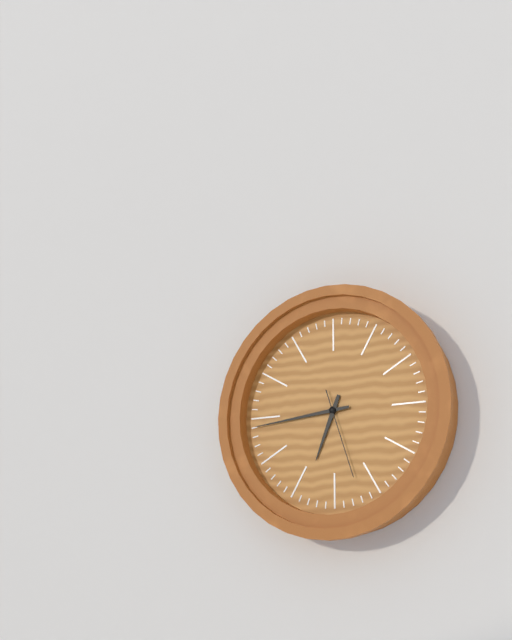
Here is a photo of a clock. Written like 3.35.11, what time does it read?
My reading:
6.44.27
